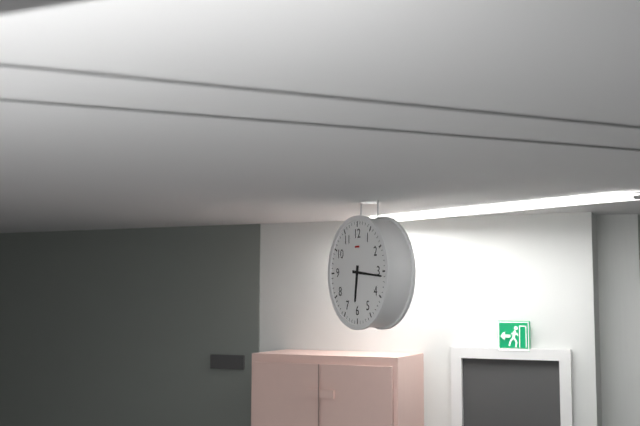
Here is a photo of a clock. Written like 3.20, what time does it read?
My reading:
6.16
